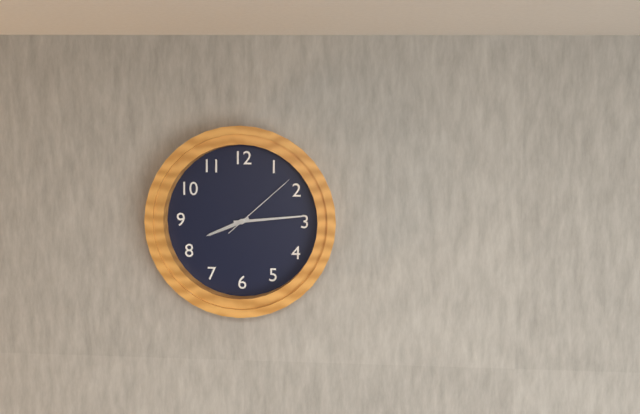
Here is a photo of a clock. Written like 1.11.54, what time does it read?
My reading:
8.14.08
